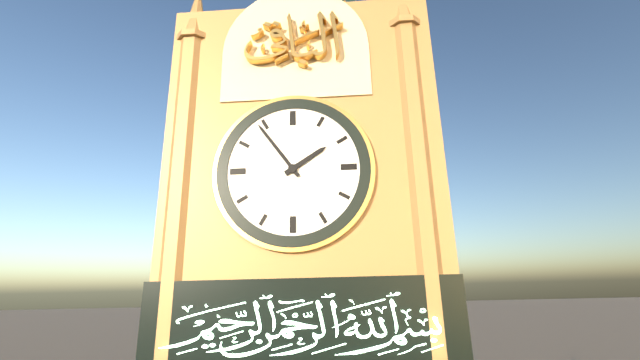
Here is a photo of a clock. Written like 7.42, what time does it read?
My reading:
1.54
